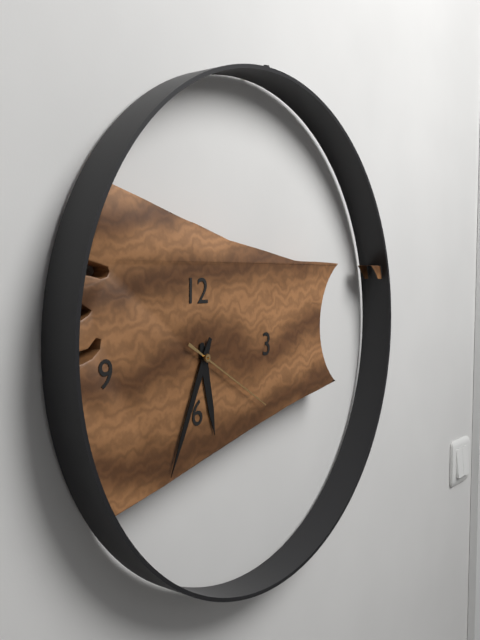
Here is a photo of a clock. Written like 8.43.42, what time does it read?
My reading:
5.34.20
